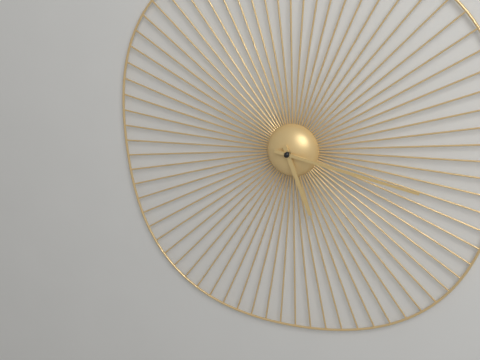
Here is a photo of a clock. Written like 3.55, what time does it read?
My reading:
5.17
